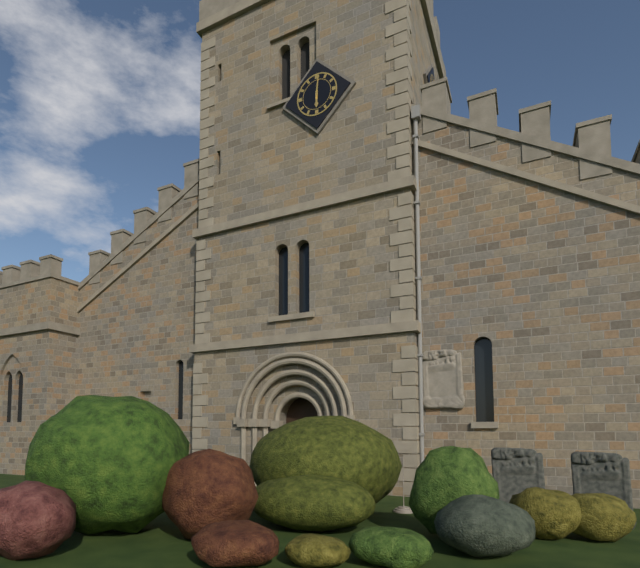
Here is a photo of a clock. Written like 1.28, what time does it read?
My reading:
6.01
